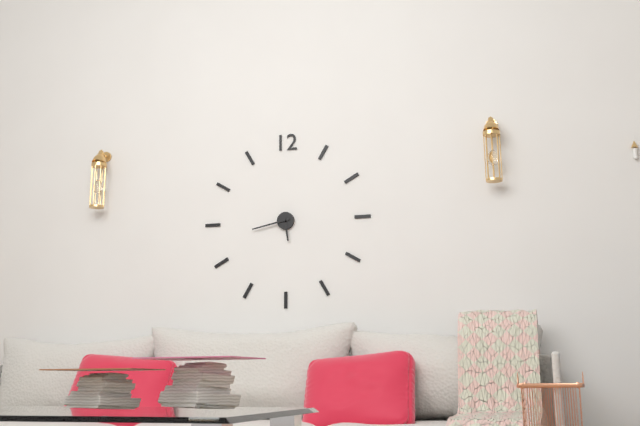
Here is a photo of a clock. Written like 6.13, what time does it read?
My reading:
5.43
